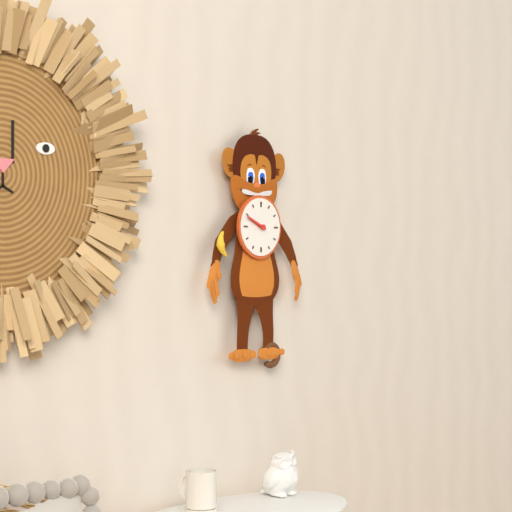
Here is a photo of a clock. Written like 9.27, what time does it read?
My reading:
9.49
